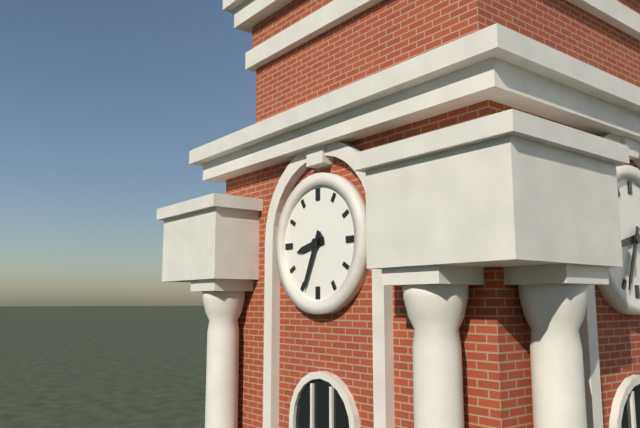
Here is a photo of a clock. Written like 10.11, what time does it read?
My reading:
8.34
